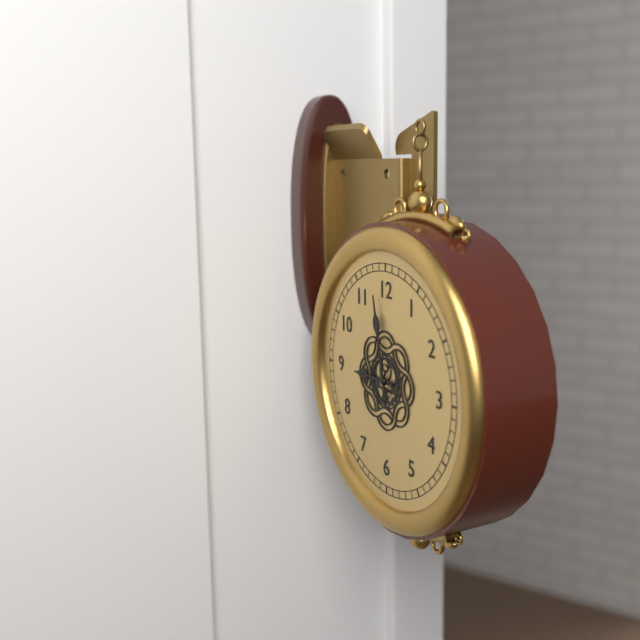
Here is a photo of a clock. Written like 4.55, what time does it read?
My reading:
8.58
